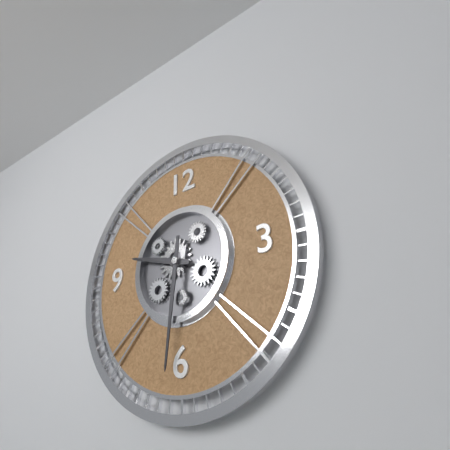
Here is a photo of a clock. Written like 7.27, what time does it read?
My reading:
9.31
